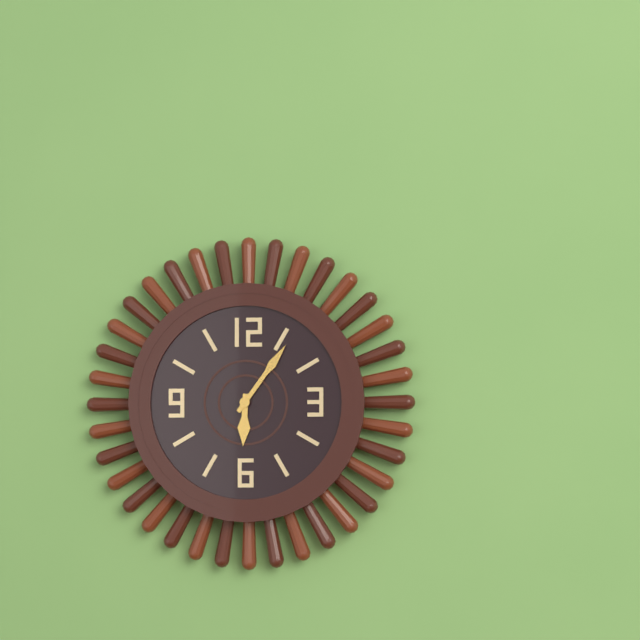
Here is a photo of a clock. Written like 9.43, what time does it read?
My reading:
6.06
